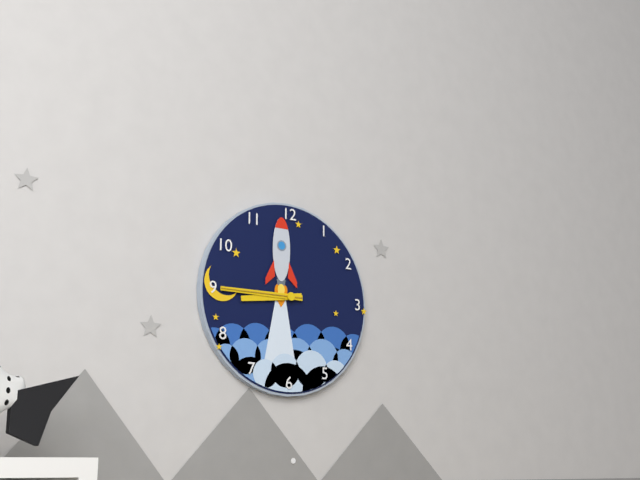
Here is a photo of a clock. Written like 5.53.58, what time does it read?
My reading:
8.45.45
